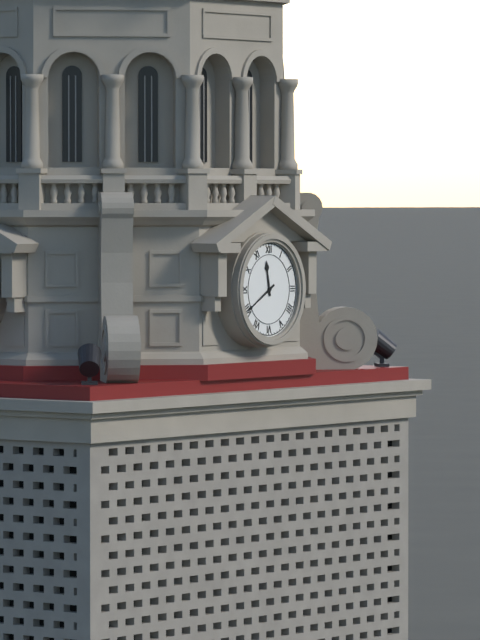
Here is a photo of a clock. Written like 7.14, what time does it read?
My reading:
11.40
